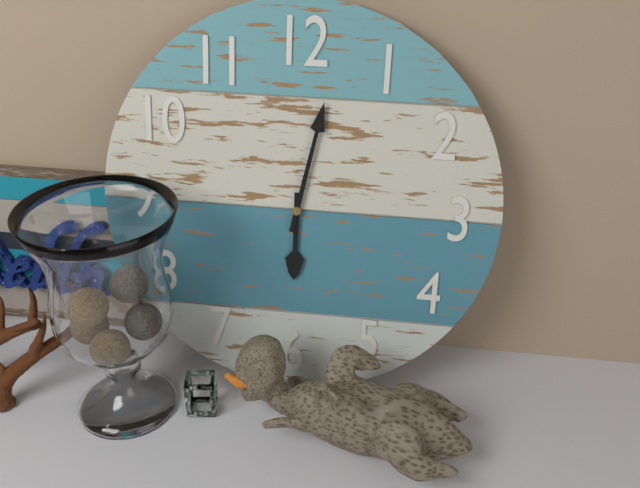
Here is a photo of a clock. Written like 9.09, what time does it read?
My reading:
6.02
